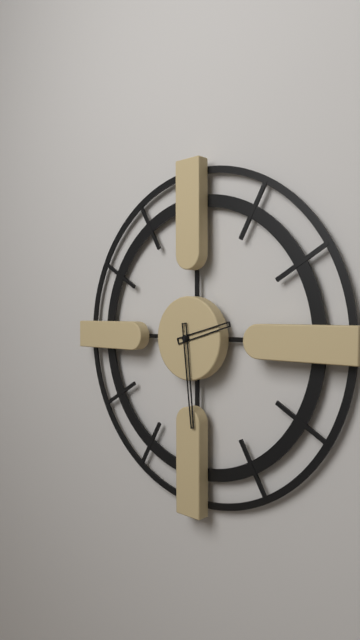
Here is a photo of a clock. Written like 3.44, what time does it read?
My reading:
2.29
